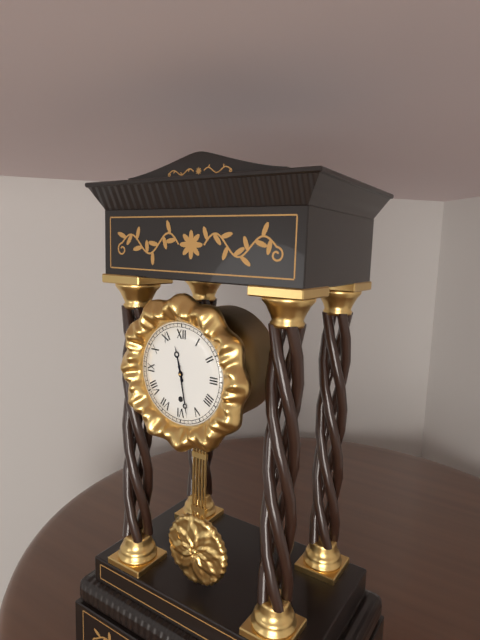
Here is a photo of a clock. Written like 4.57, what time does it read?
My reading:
11.28
